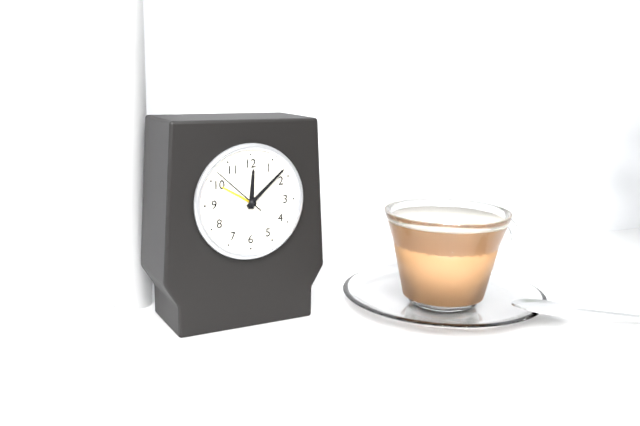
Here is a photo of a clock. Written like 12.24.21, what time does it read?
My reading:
12.08.52
